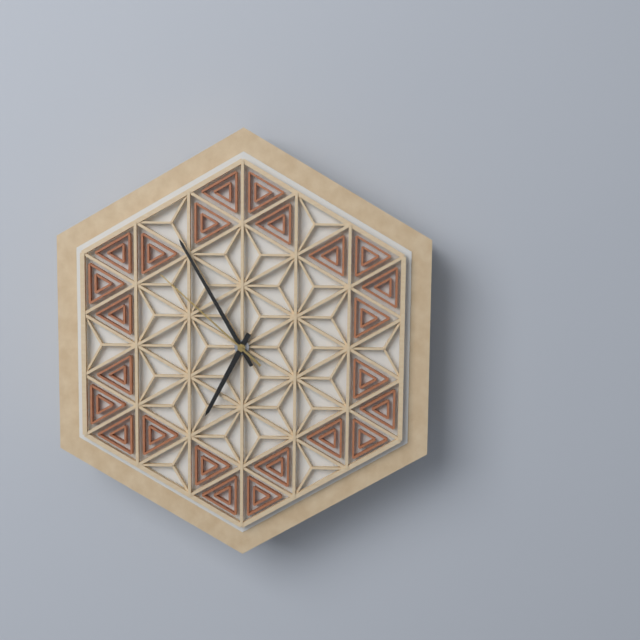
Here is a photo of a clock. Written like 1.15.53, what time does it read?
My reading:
6.55.52
